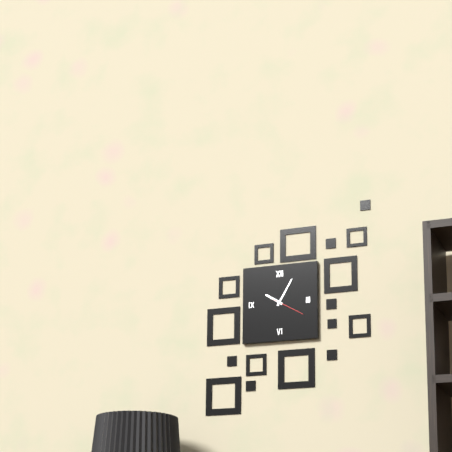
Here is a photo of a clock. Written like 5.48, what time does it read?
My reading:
10.05
